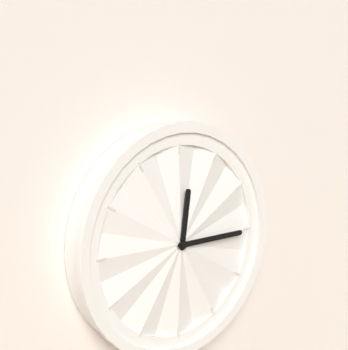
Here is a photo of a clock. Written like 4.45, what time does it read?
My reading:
12.15
